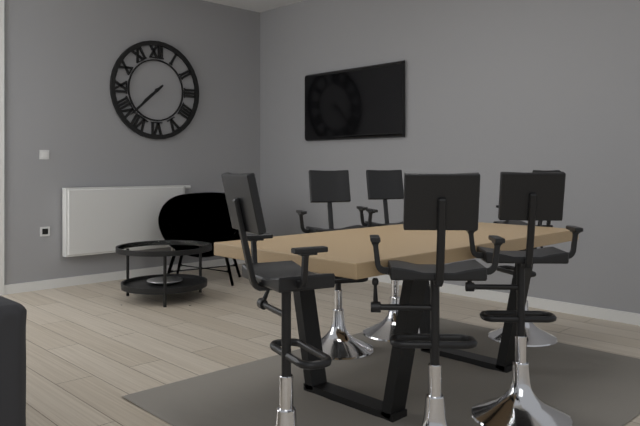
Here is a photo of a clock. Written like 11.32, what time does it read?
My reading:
7.38
